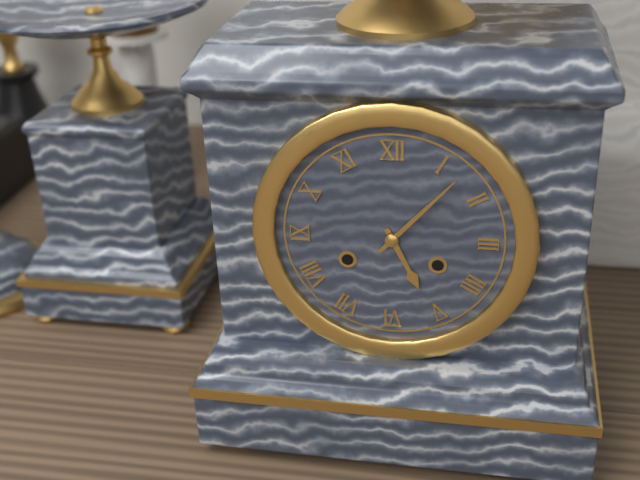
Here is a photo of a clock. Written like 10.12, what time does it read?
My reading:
5.07
